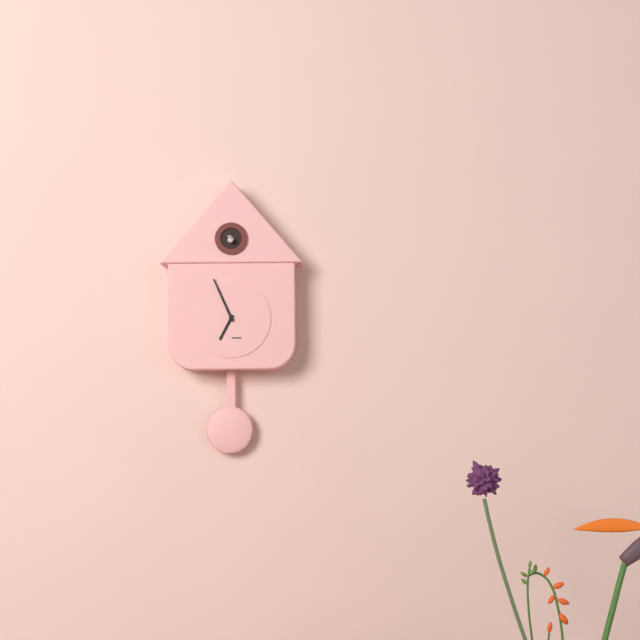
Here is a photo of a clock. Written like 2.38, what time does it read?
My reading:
6.56
